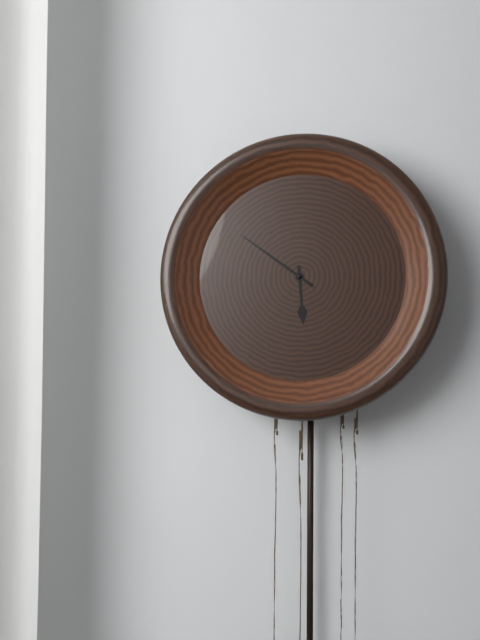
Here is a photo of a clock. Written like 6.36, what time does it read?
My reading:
5.51
